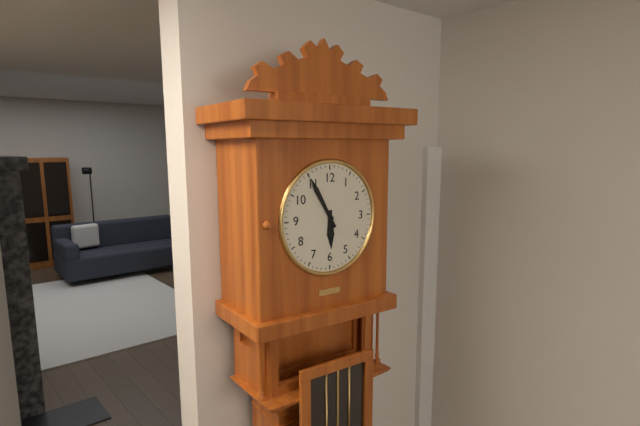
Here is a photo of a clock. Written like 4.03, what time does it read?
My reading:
5.55
